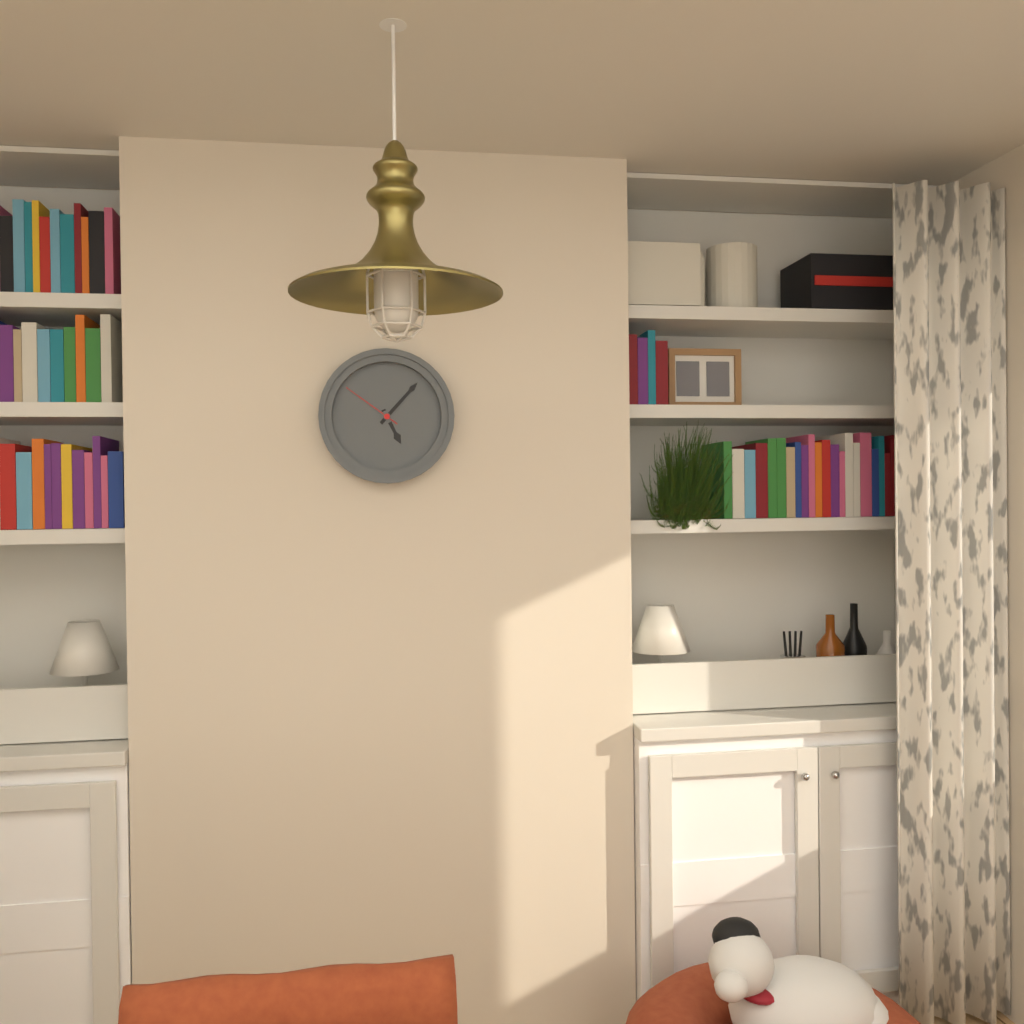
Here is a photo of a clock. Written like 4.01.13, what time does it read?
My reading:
5.07.51
